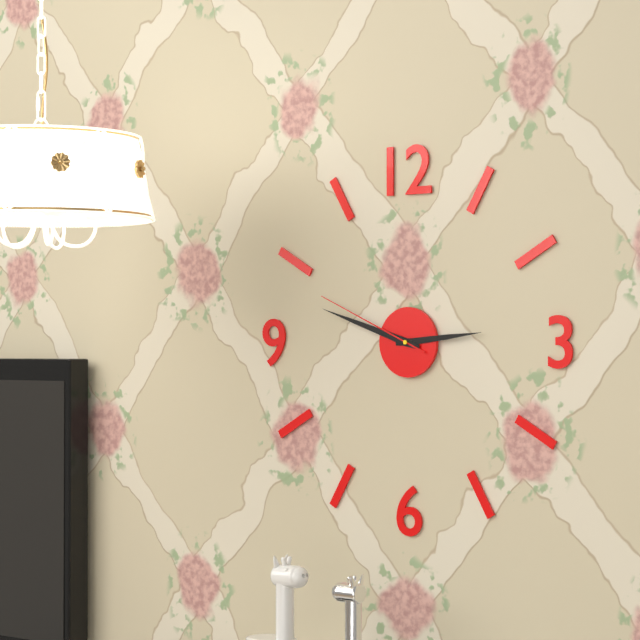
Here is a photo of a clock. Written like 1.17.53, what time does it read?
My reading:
2.48.49
